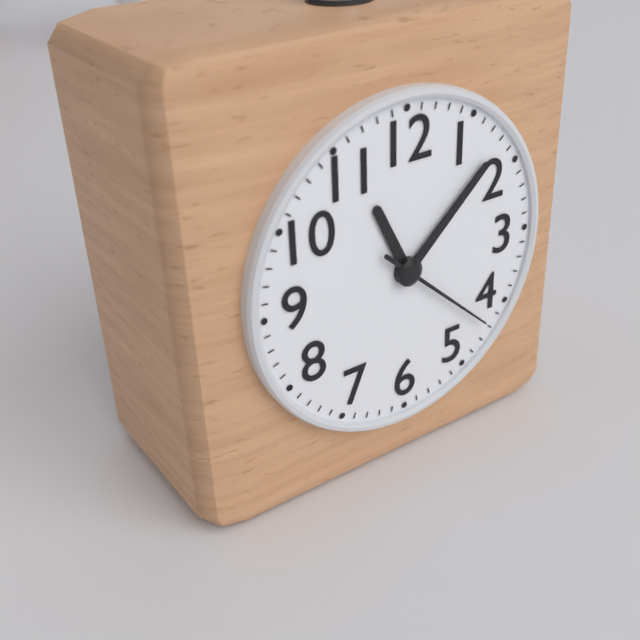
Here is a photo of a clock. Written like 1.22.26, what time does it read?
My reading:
11.08.22
